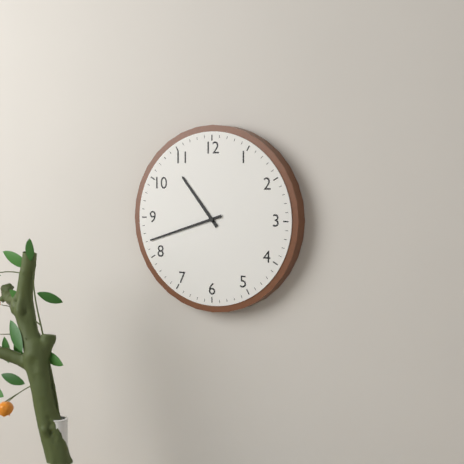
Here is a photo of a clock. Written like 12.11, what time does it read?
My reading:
10.42
